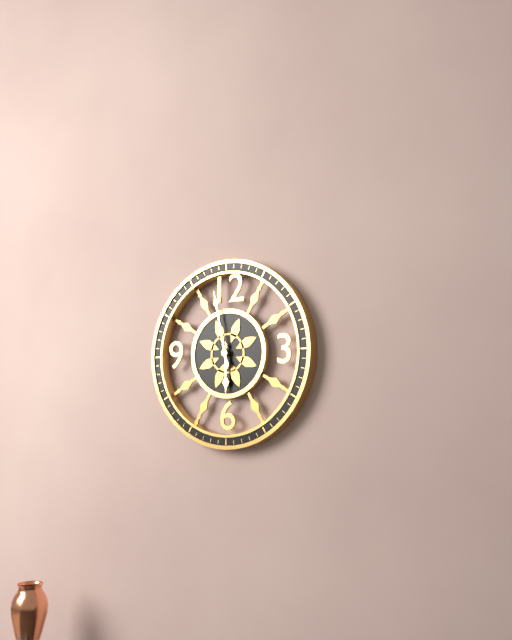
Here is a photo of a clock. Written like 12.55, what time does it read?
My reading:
5.58
